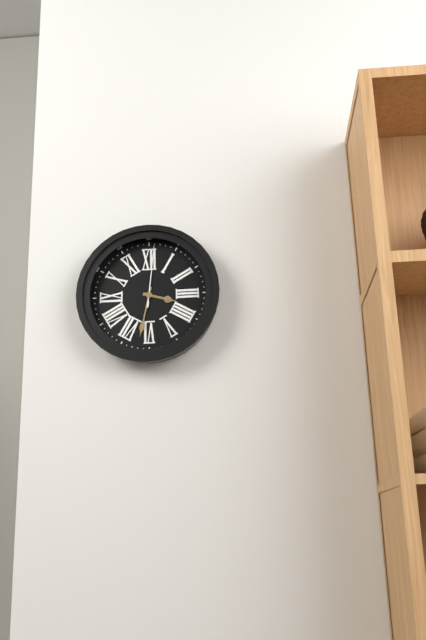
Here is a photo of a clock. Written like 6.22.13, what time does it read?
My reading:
3.32.01
